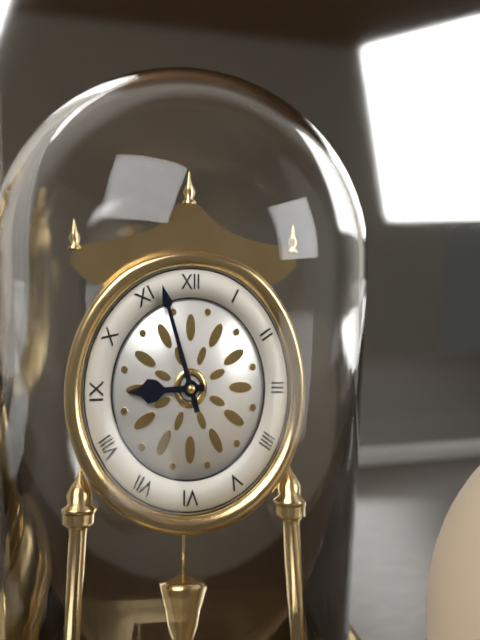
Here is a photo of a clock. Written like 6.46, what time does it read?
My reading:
8.57
